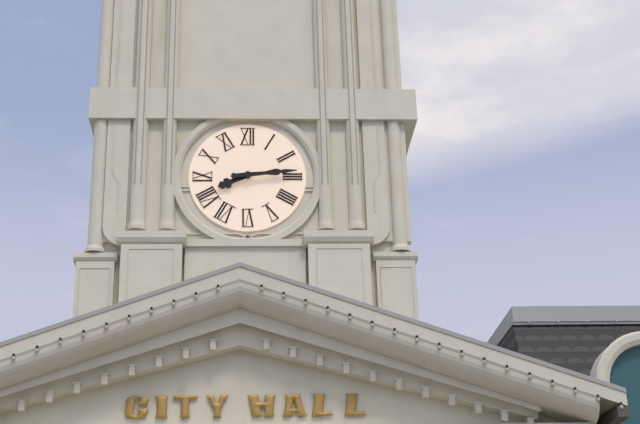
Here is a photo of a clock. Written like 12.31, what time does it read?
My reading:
8.14
